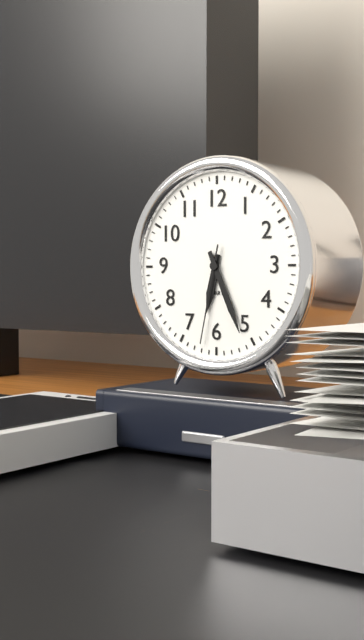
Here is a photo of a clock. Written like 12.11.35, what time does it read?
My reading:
6.26.32
